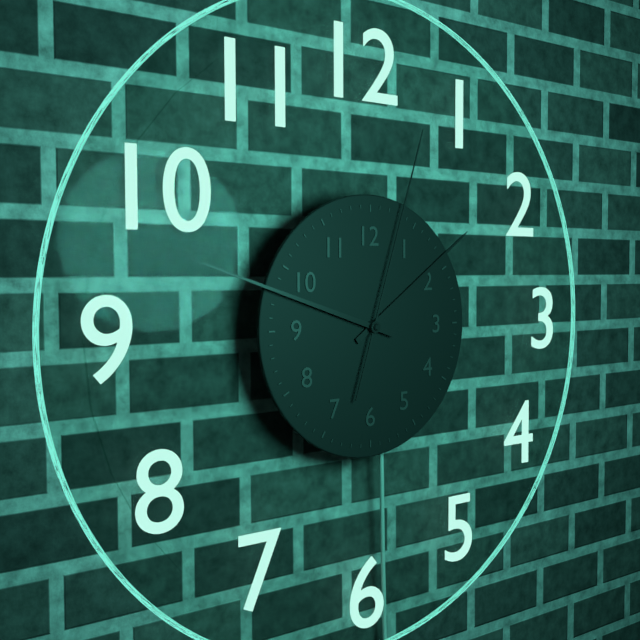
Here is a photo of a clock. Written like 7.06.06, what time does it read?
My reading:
1.48.03
